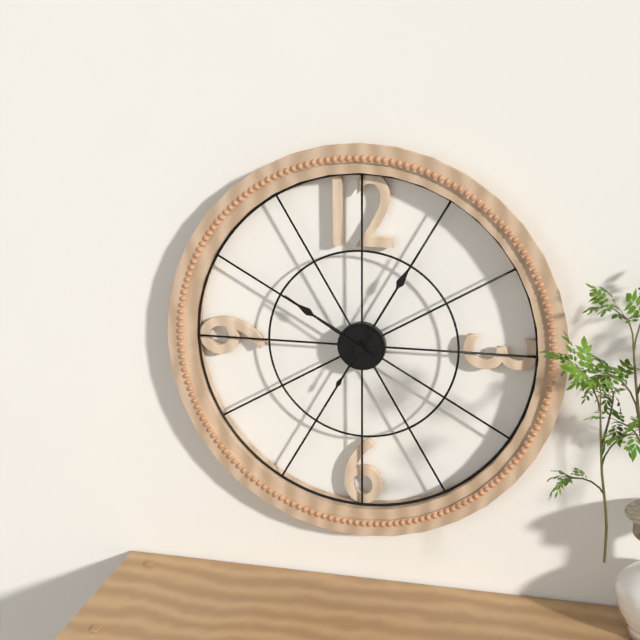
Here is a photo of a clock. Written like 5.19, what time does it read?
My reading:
10.05
